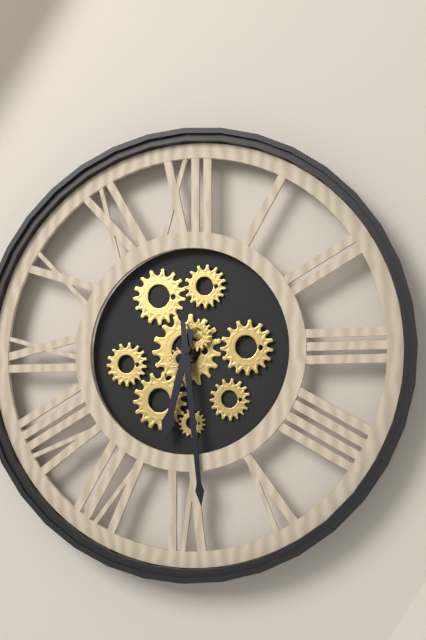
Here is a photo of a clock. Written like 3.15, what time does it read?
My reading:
6.29
